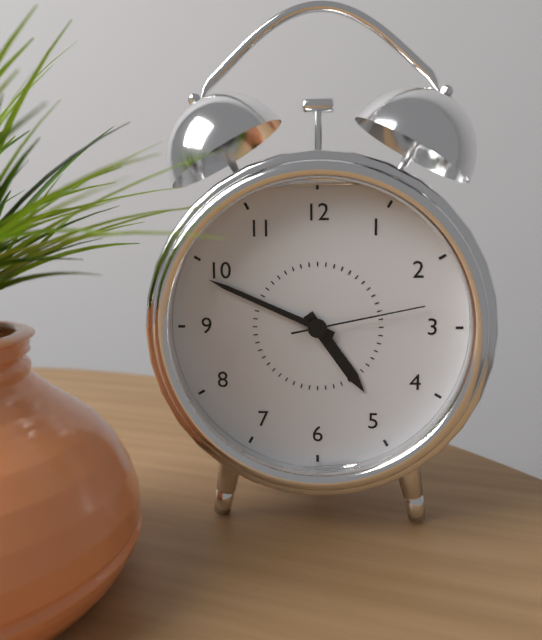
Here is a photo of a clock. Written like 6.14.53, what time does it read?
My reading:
4.49.13
